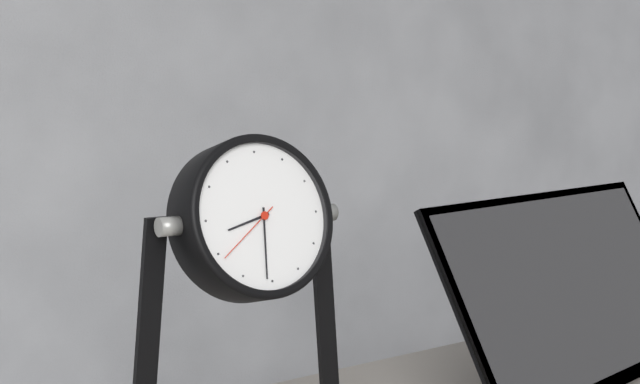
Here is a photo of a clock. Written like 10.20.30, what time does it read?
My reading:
8.31.39
